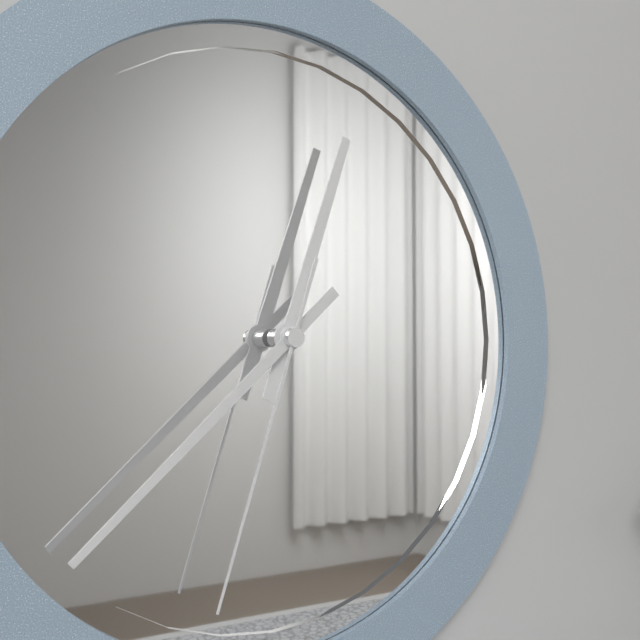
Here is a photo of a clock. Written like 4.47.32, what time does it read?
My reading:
12.38.33
